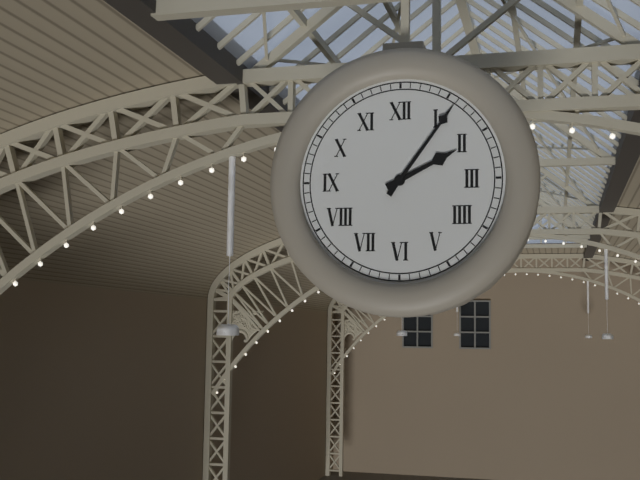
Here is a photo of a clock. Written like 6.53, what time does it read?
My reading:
2.06
